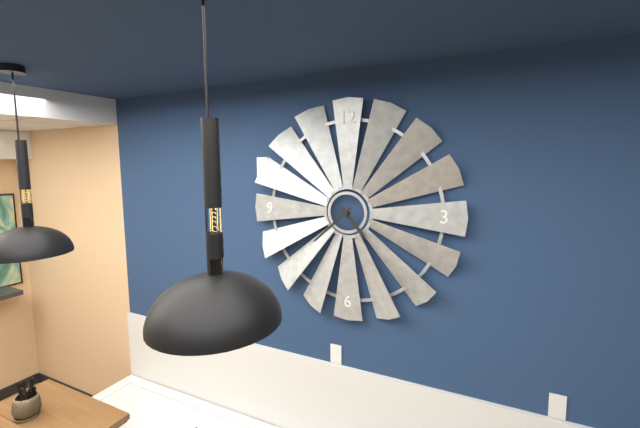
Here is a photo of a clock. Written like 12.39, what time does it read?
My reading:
4.38
